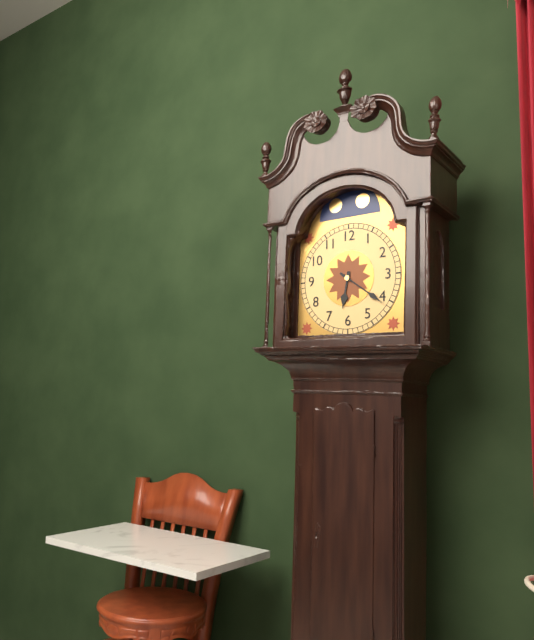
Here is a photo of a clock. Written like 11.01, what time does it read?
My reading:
6.21
